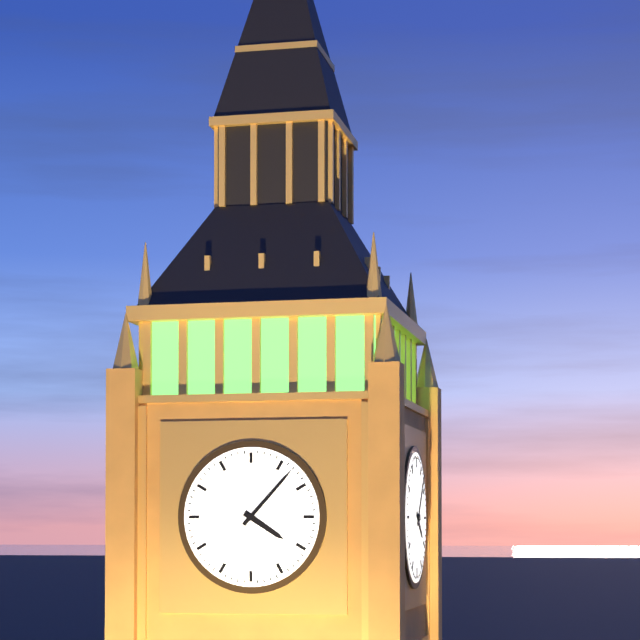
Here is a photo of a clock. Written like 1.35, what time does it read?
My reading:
4.07
